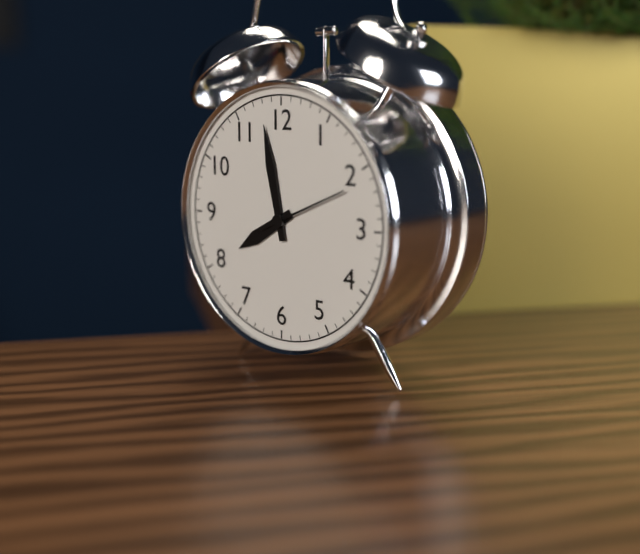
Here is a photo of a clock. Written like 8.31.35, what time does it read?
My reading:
7.58.11
